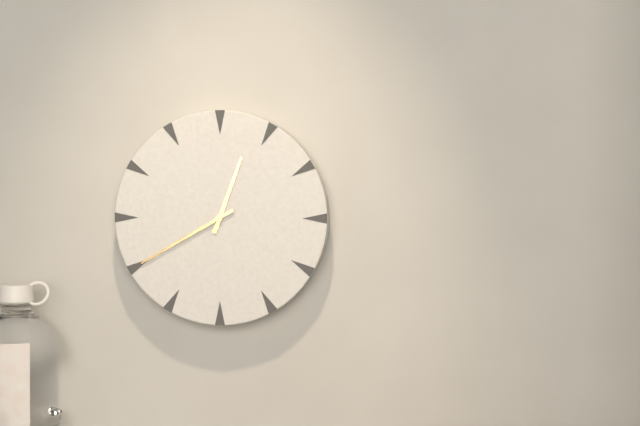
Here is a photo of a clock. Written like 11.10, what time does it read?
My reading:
12.40
